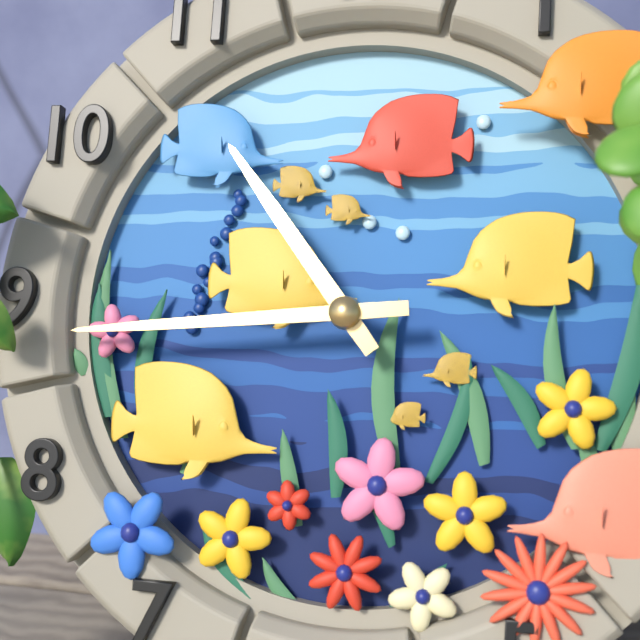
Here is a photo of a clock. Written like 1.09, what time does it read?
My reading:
10.44
